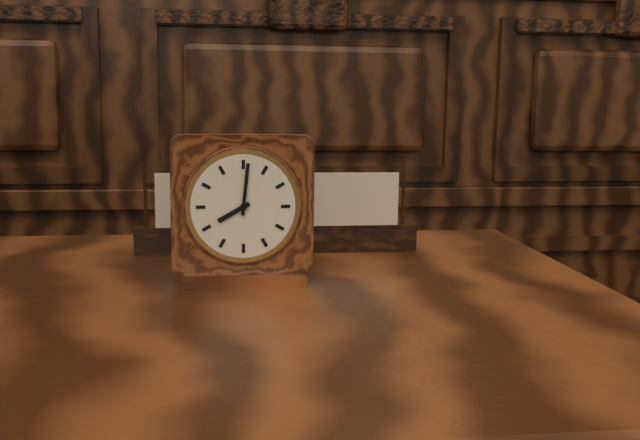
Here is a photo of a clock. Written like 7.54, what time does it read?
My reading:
8.01
